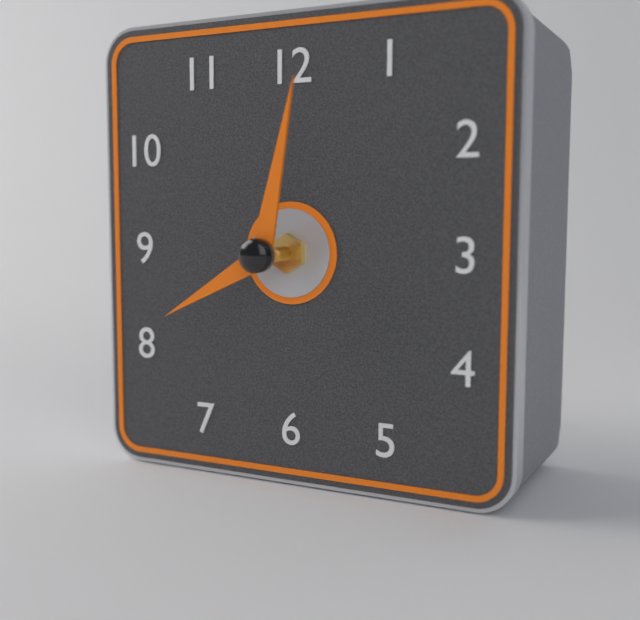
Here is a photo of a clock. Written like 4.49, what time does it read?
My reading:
8.02
